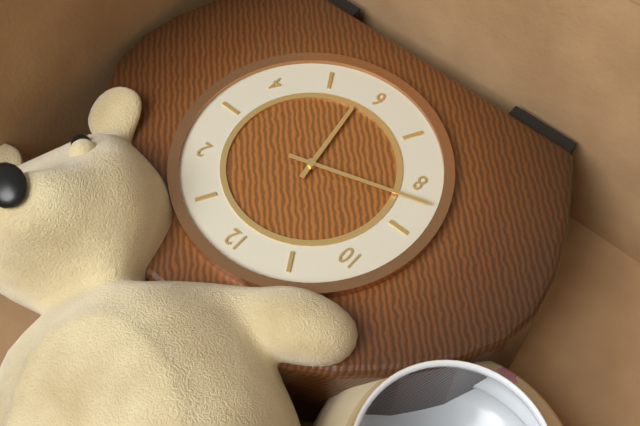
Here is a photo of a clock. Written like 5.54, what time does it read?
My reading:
5.42
